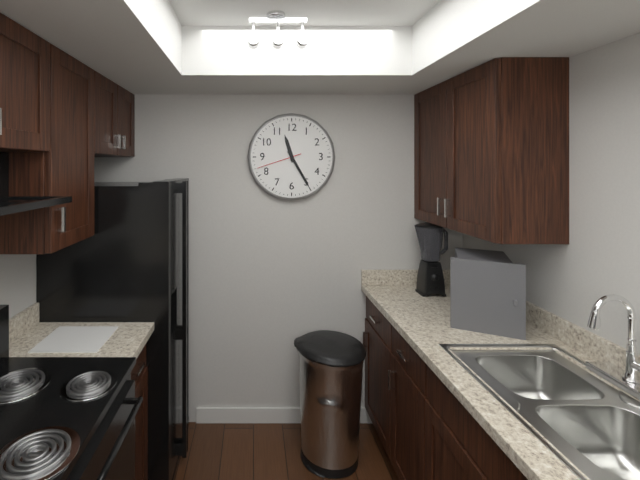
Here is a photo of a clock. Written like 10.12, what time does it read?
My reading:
11.25
